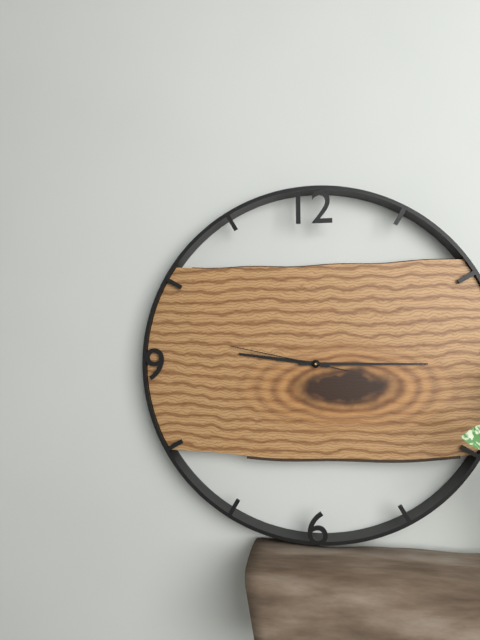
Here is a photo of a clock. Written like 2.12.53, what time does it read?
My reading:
9.15.47
